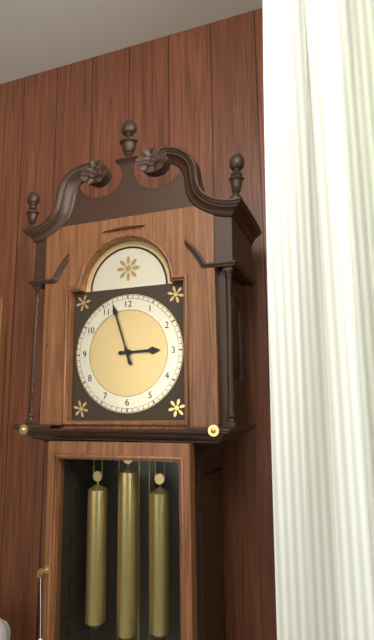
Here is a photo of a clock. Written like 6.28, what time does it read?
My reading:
2.57
